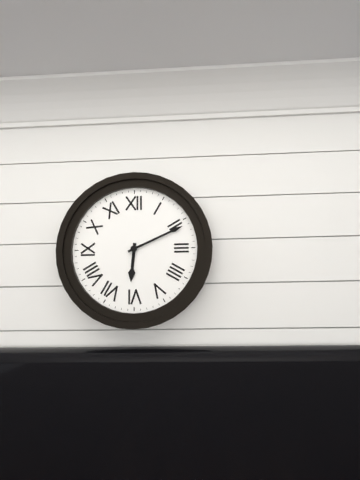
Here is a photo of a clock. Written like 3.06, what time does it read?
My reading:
6.11
